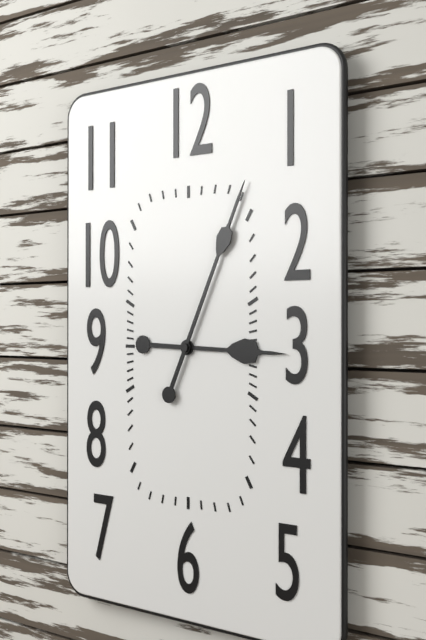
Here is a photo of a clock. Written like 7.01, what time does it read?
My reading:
3.04
